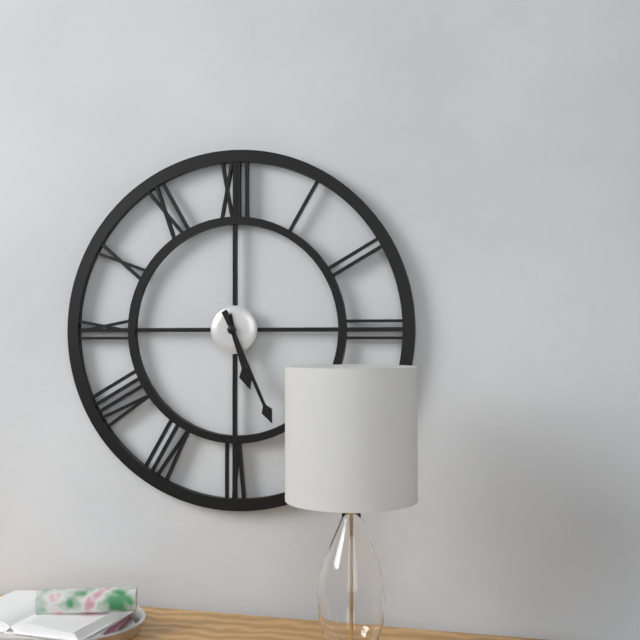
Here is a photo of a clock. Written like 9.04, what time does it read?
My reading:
5.26
